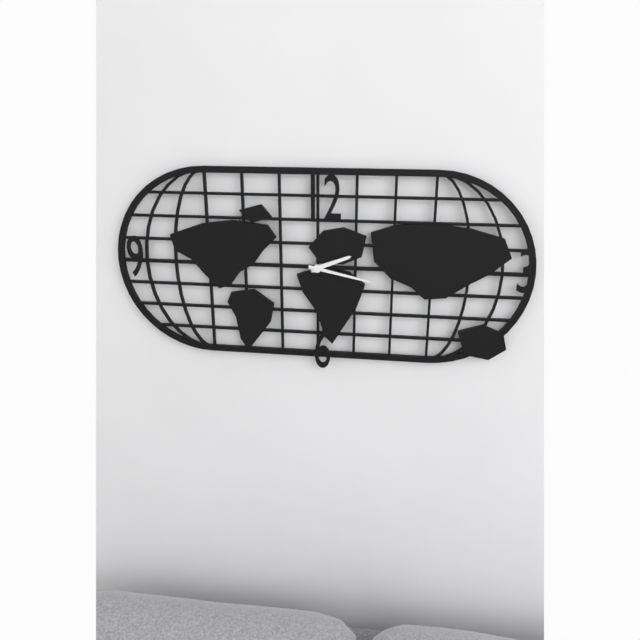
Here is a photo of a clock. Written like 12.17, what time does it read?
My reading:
2.17
